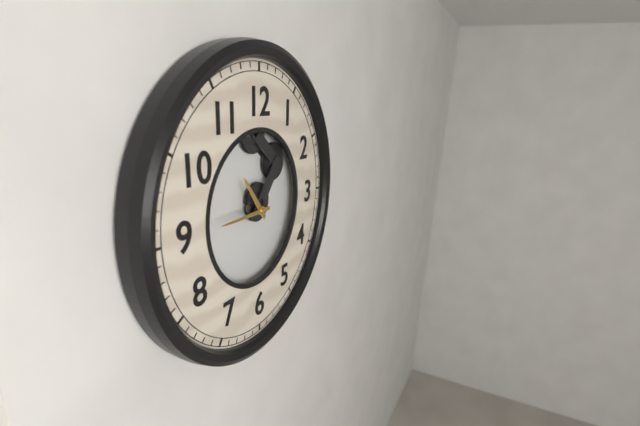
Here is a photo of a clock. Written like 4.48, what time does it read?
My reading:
10.45
